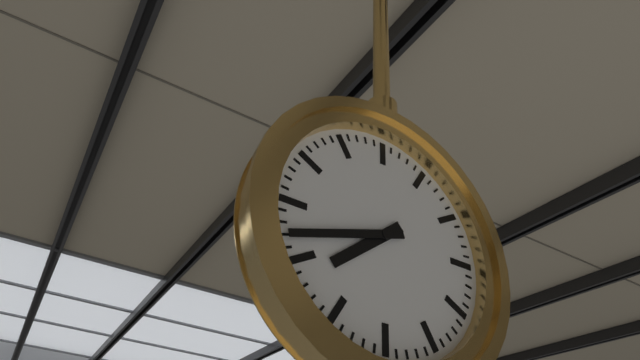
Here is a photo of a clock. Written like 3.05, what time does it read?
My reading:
7.42
